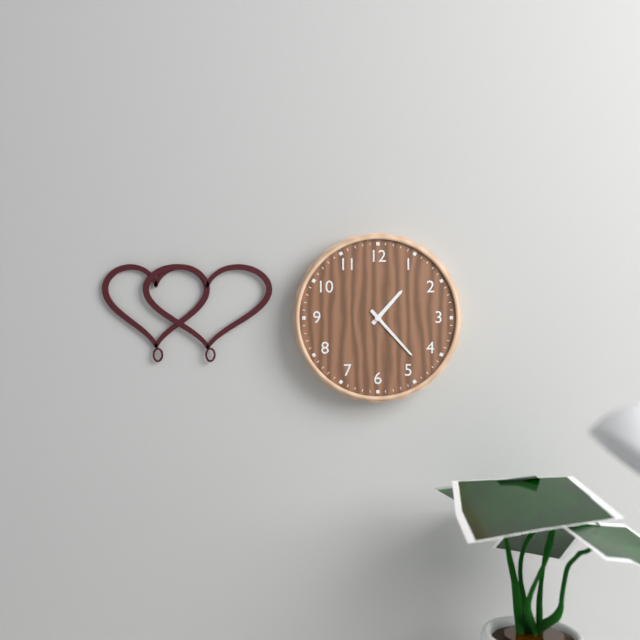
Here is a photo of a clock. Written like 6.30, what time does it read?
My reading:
1.23
